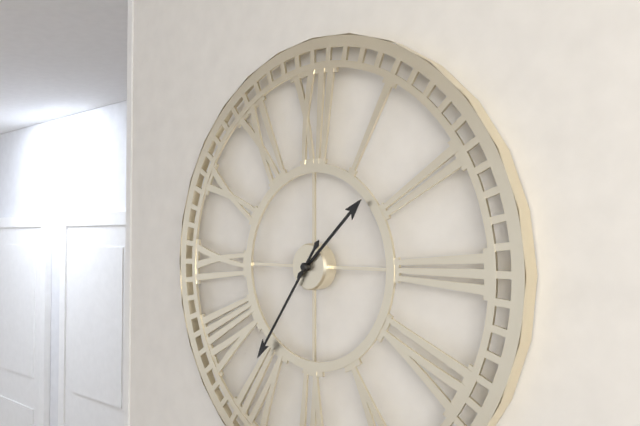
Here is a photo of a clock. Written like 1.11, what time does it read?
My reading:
1.36
